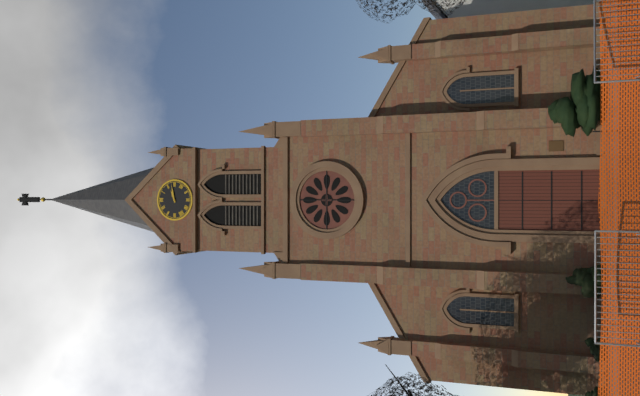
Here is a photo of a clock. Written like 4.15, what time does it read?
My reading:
2.13
